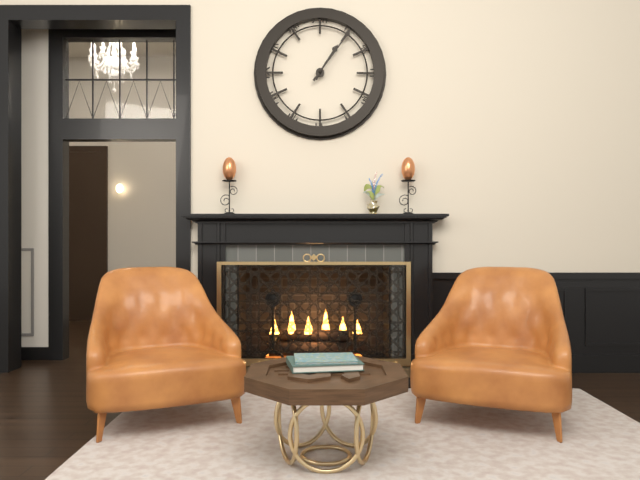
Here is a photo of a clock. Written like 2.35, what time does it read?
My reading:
1.06
